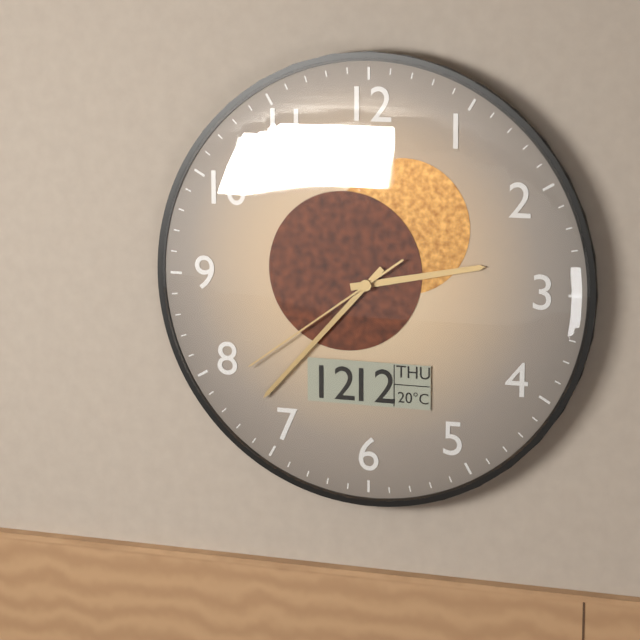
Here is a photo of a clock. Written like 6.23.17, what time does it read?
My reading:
2.37.39
